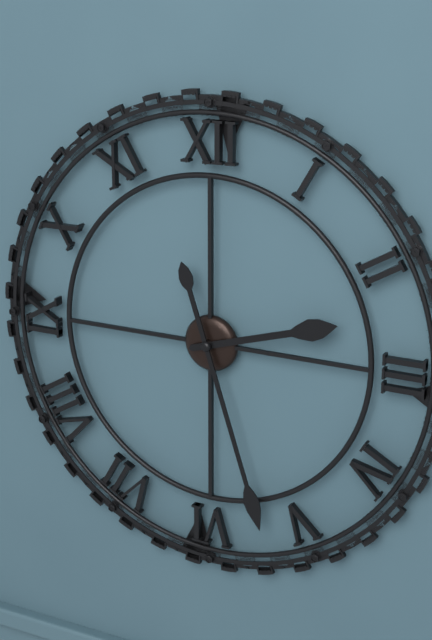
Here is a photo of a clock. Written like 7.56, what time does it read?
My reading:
2.27
